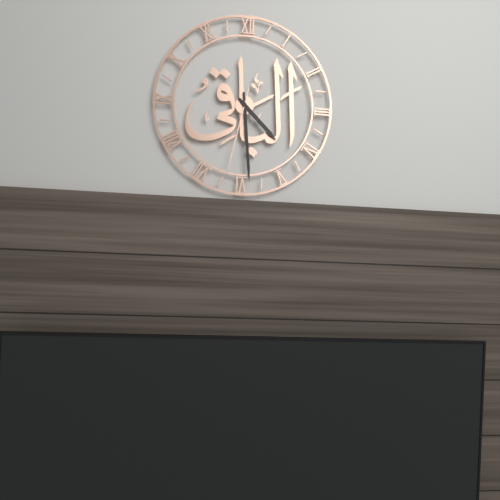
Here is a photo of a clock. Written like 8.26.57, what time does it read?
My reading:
4.29.32
